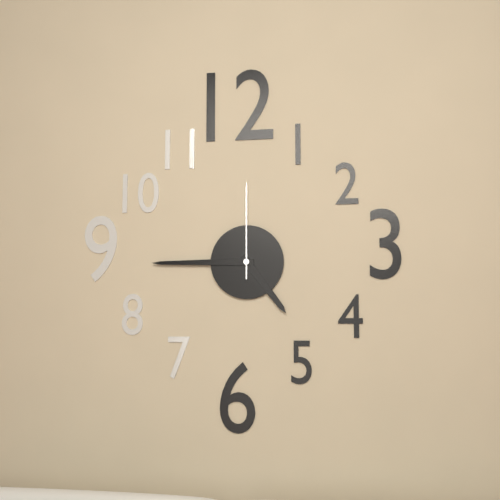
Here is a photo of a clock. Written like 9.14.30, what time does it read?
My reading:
4.45.00
